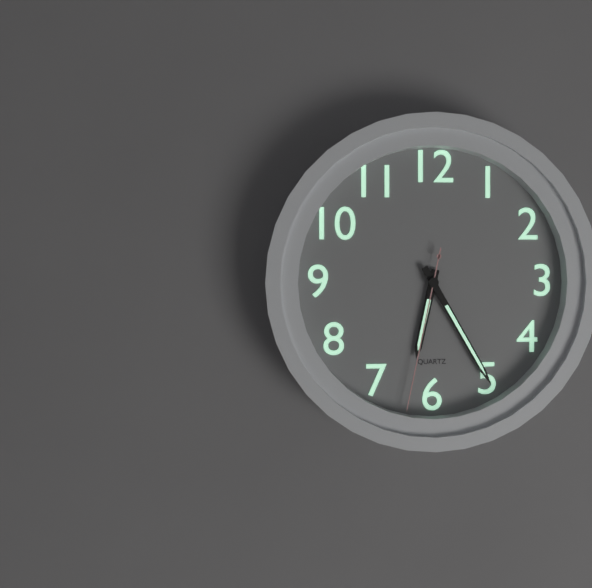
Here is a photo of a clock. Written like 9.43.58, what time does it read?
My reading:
6.25.32
